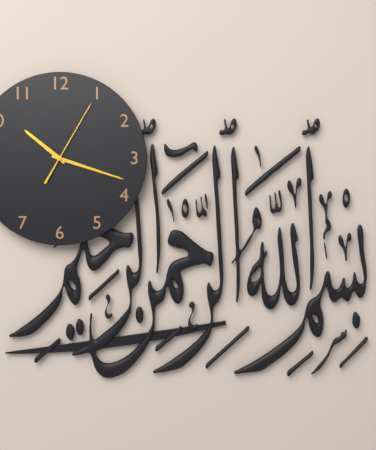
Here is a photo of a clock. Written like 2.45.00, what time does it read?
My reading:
10.18.05
